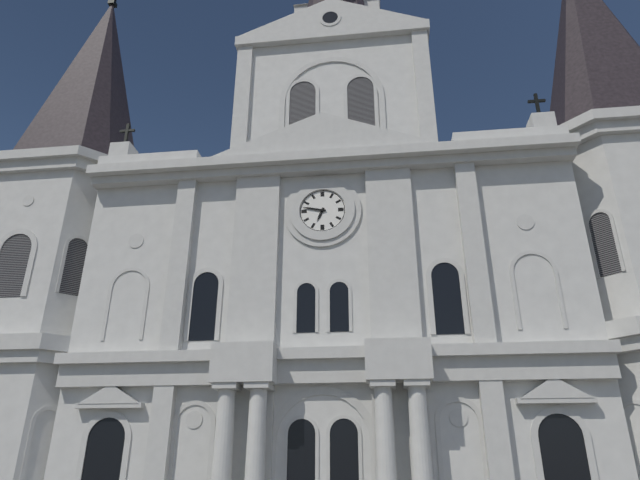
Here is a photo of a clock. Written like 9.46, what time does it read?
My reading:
6.47
